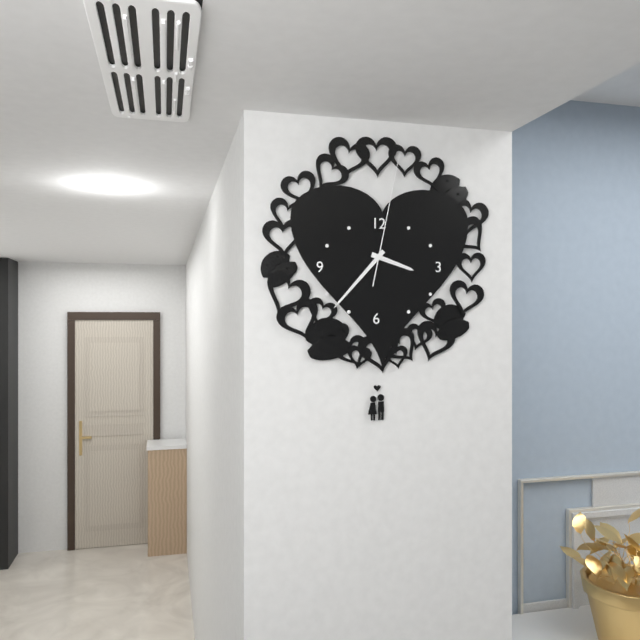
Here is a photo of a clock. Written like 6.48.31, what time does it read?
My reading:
3.37.02
